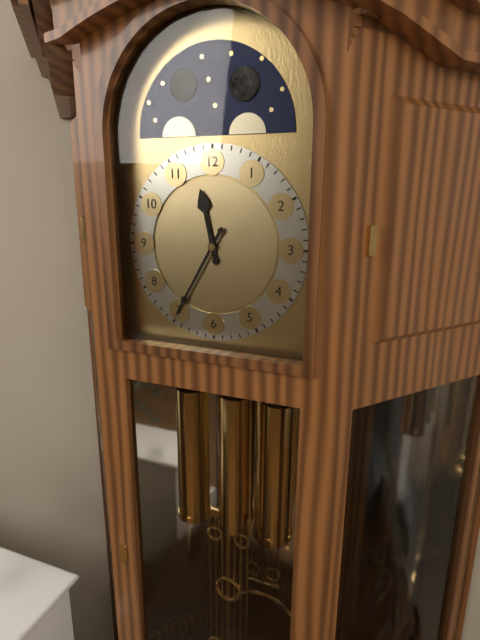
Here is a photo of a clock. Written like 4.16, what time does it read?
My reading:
11.35
